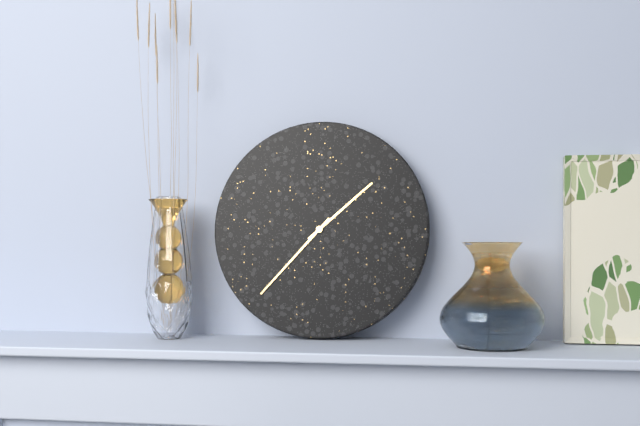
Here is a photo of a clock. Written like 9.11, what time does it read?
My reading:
1.37
